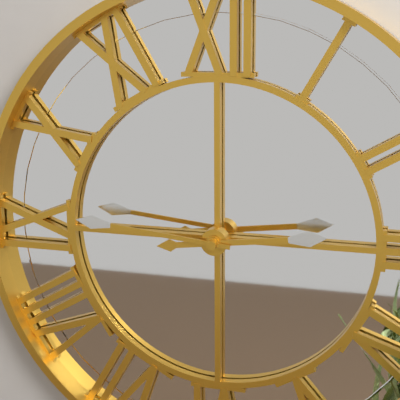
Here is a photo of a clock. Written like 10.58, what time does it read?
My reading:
2.46
